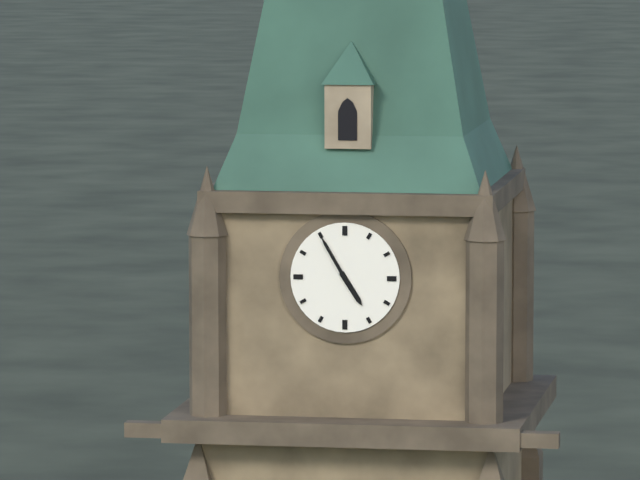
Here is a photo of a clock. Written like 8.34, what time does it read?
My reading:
4.55
